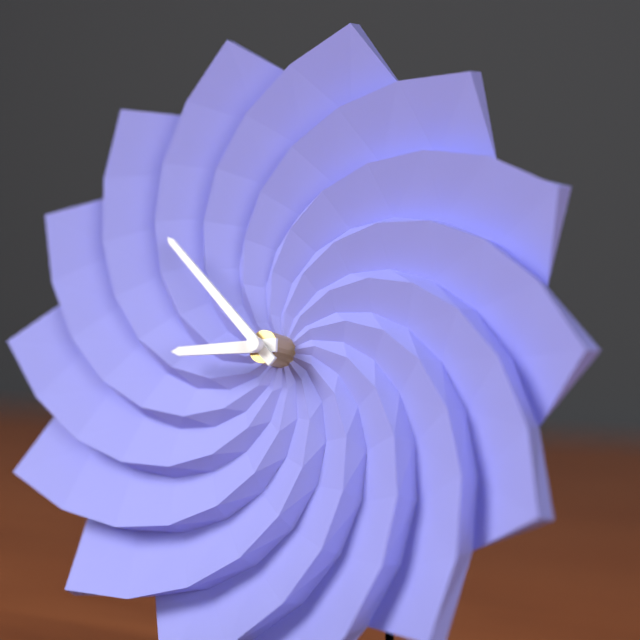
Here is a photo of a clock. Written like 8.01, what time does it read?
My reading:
8.52
